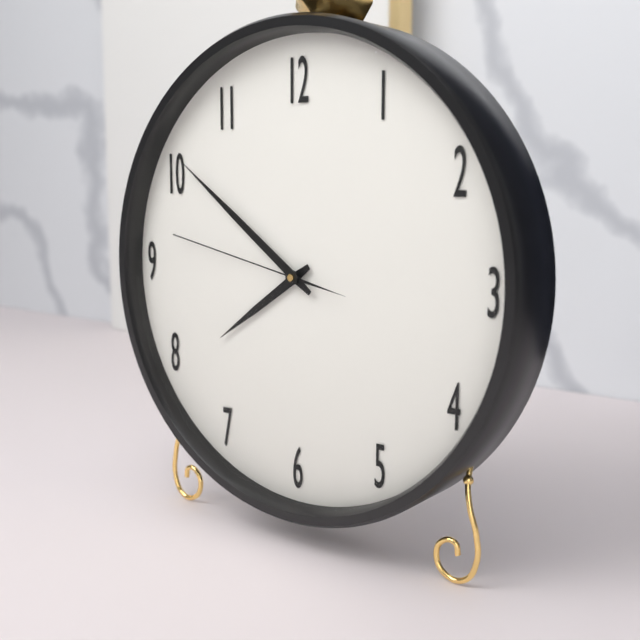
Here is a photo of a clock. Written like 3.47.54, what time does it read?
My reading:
7.51.47
